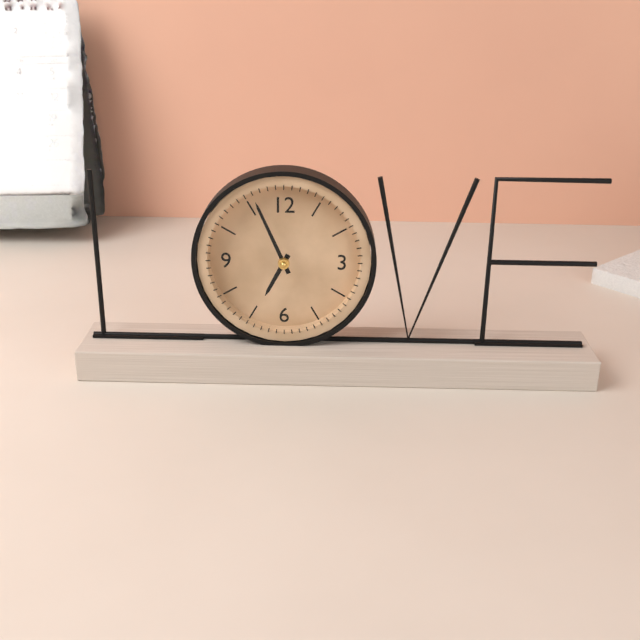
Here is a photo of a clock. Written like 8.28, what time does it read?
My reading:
6.56
